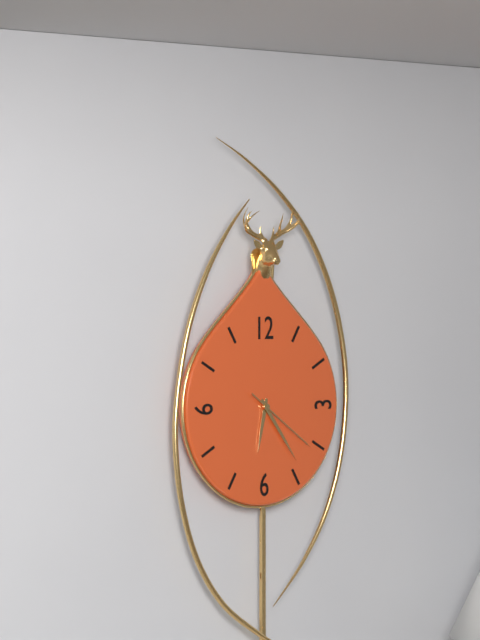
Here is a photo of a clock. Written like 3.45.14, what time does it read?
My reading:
6.24.21
